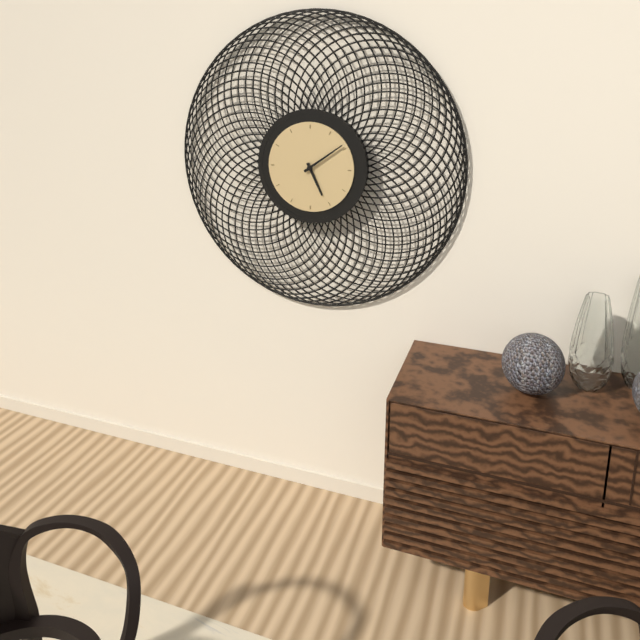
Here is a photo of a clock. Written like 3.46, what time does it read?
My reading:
5.09
